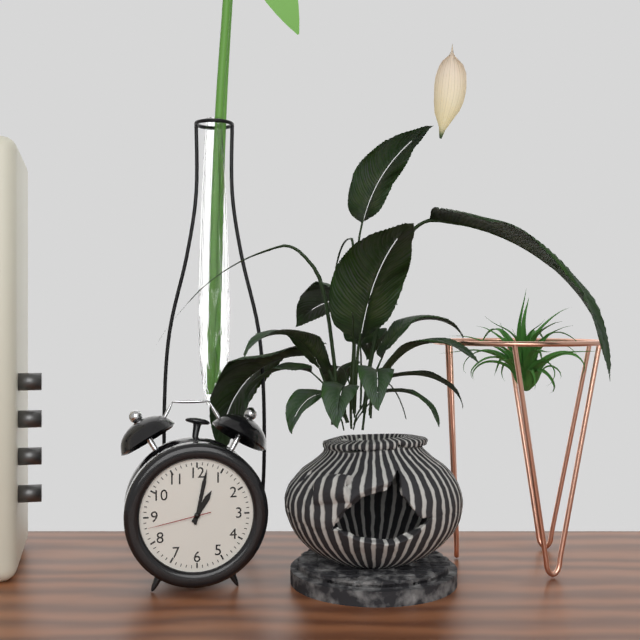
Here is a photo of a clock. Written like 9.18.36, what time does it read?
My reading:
1.02.43
